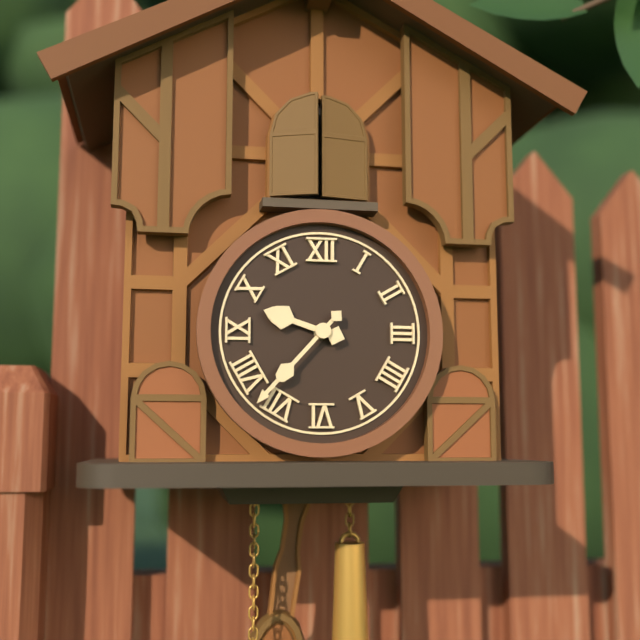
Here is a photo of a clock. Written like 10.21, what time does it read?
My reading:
9.37
